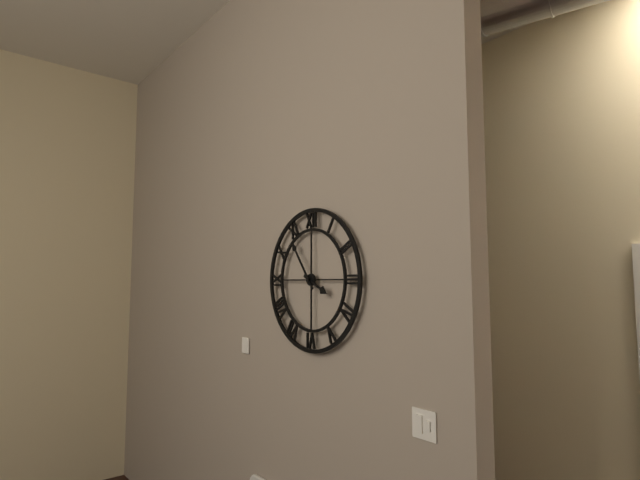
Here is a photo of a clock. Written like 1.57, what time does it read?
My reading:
3.54
